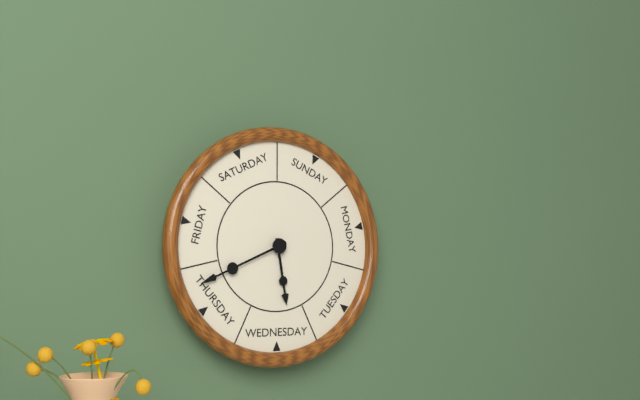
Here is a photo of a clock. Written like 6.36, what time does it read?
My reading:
5.41
